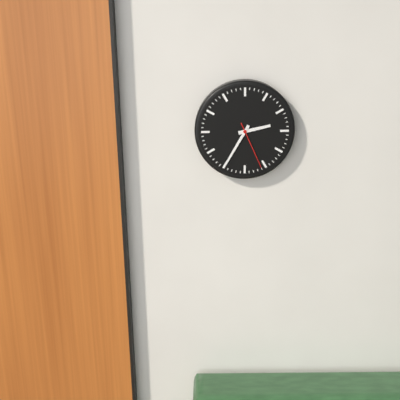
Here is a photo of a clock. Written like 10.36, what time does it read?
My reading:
2.35
